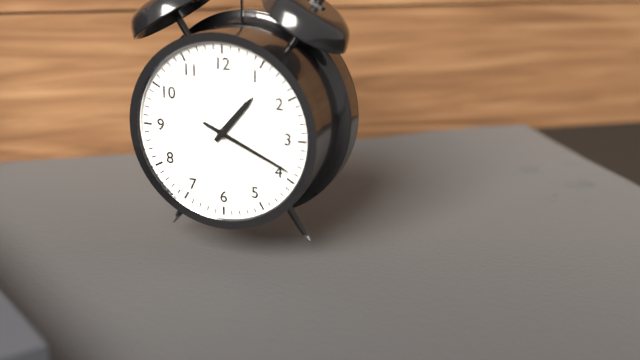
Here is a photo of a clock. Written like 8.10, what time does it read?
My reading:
1.19
